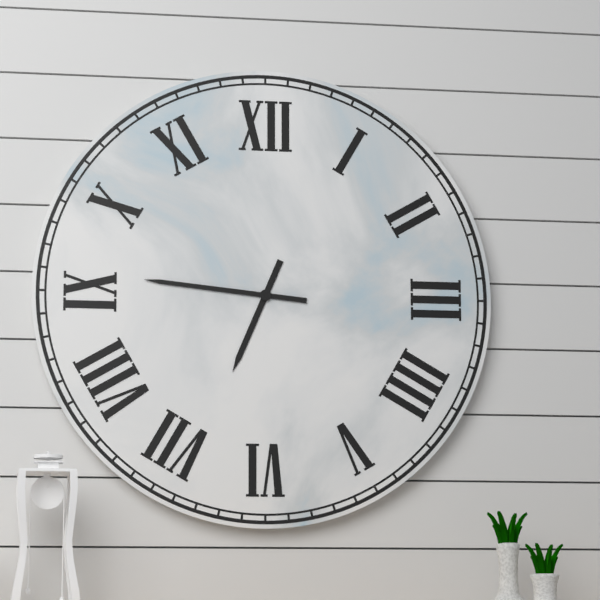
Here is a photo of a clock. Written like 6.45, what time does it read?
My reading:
6.46
